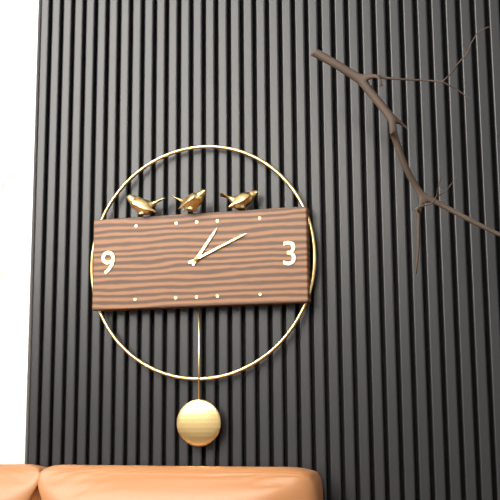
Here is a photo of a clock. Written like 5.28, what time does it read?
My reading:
1.11
